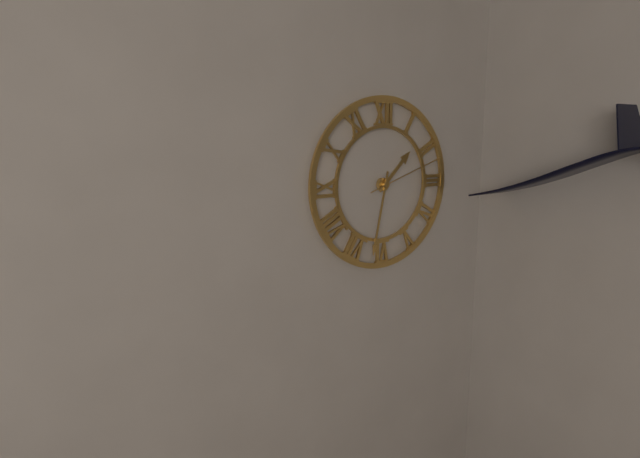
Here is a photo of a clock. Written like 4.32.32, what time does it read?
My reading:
1.32.12
